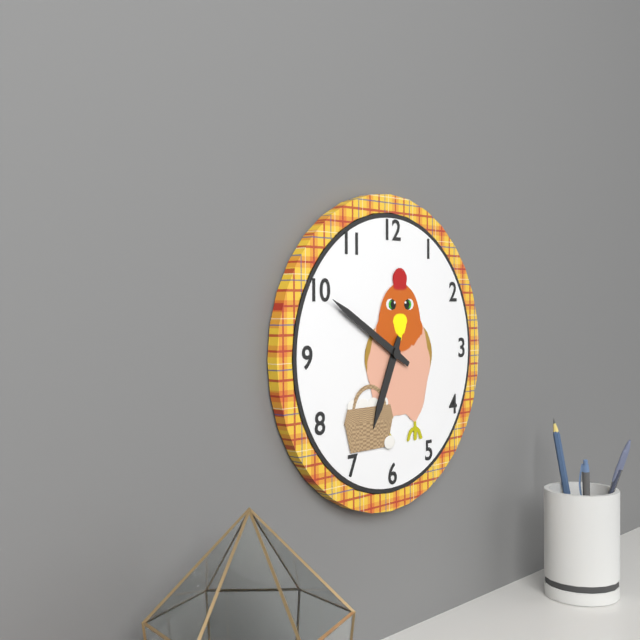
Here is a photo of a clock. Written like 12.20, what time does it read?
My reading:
6.50
